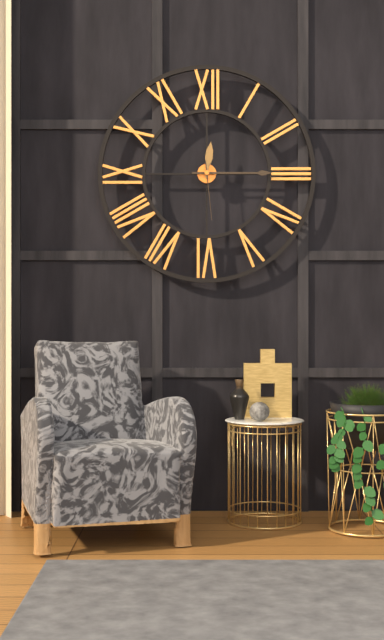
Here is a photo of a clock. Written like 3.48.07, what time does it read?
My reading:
12.15.29
